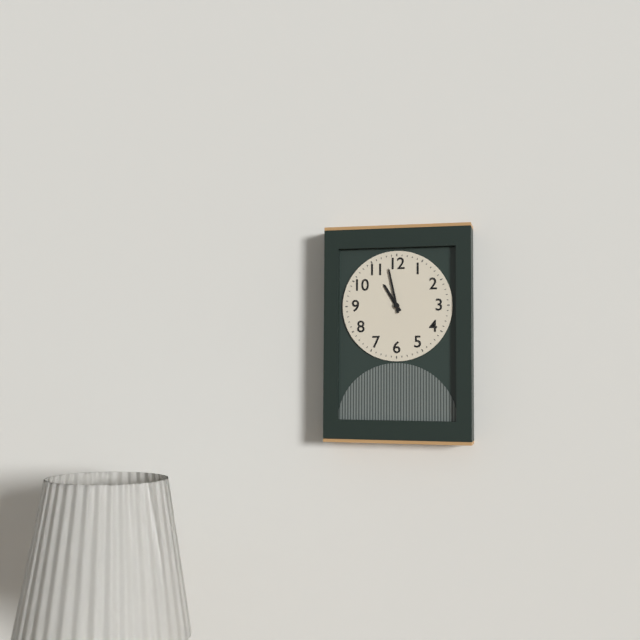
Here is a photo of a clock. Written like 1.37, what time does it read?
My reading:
10.58
